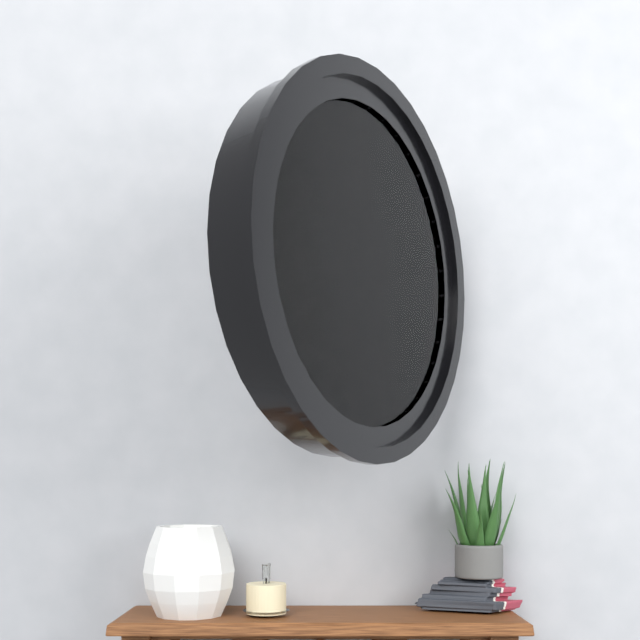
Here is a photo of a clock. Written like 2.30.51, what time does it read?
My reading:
12.56.16
